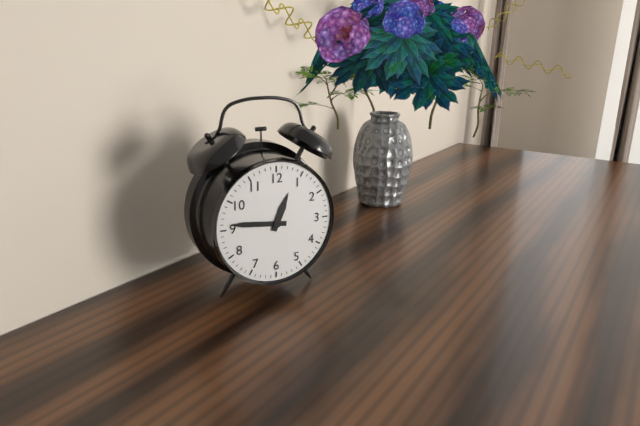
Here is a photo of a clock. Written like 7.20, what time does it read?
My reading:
12.46
